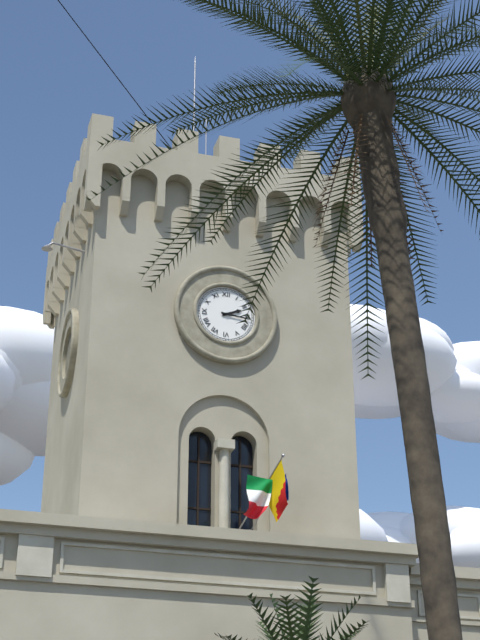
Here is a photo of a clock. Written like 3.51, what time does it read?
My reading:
2.16
